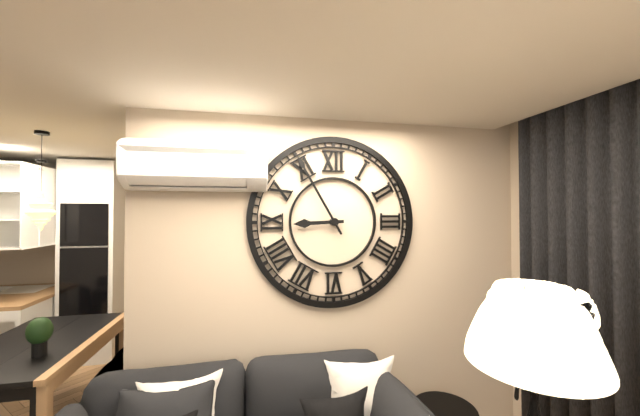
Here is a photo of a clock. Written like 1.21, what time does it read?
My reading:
8.55
